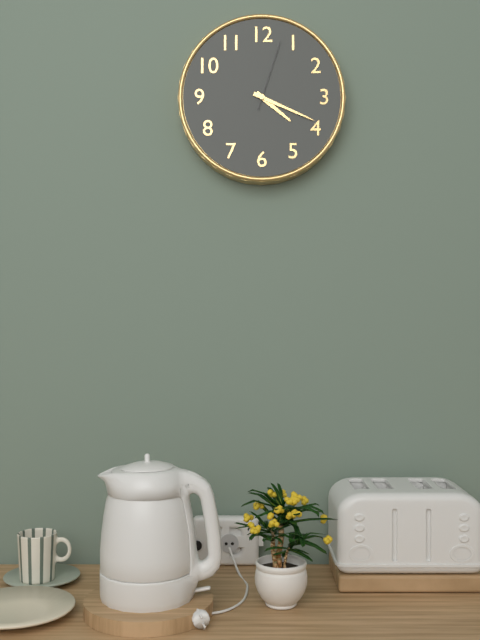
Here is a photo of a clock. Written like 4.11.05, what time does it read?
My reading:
4.19.03
